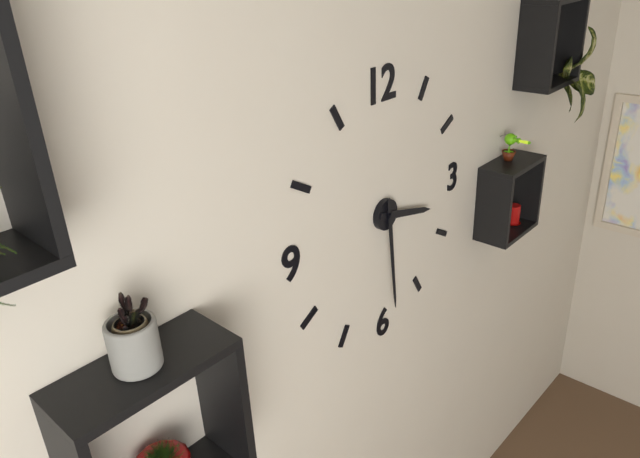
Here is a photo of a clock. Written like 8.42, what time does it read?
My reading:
3.29
